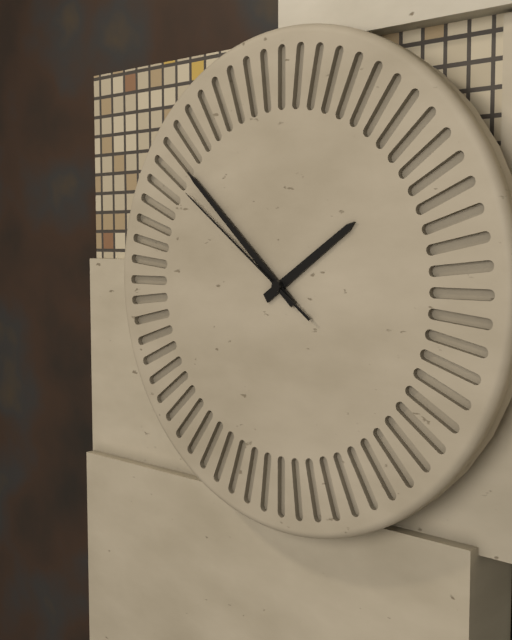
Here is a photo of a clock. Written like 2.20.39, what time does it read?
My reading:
1.52.51
